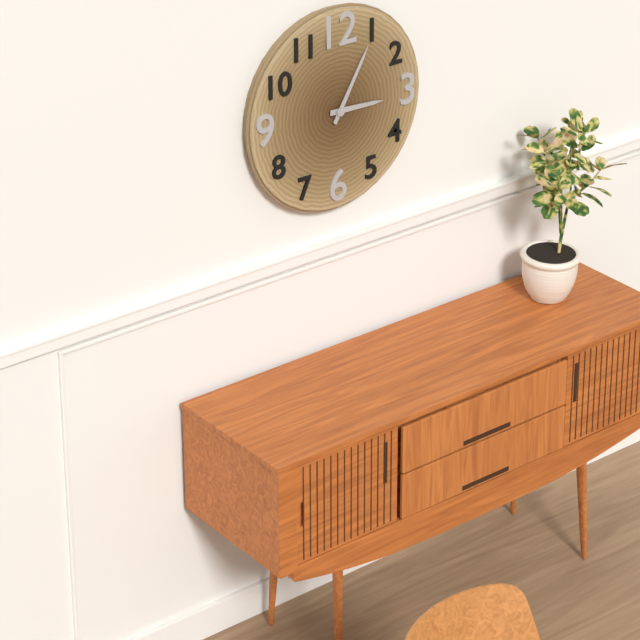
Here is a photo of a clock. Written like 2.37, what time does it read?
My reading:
3.05
